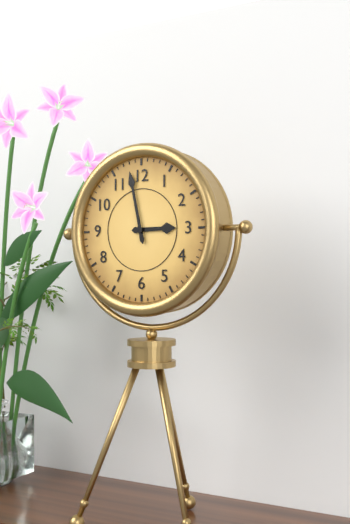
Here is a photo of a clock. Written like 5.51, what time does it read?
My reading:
2.58
